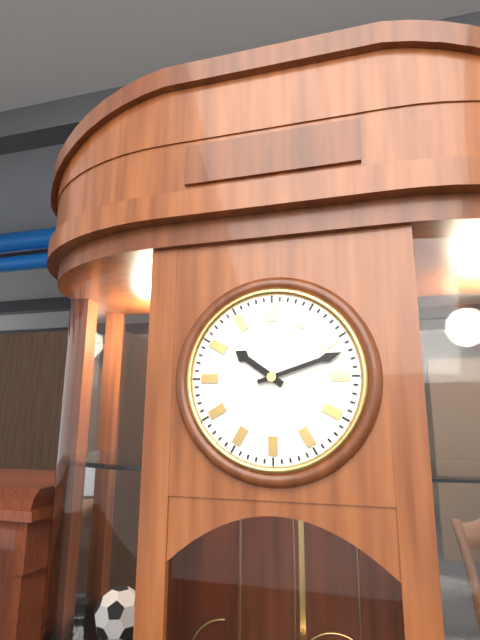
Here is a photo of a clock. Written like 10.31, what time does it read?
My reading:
10.12
